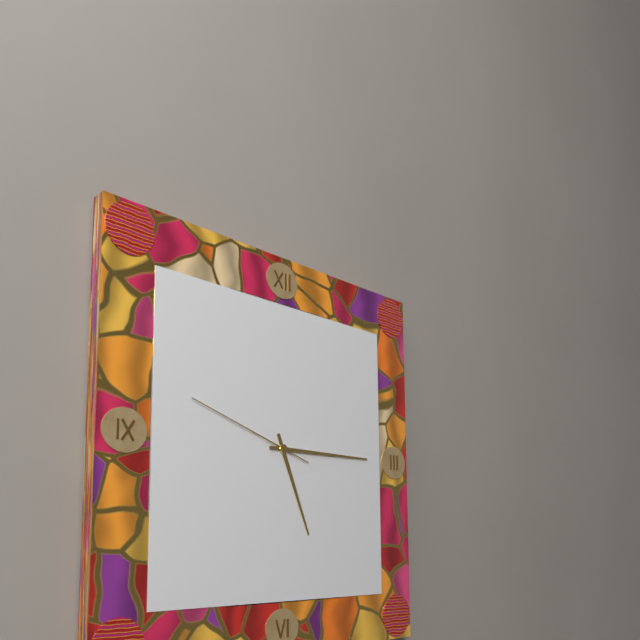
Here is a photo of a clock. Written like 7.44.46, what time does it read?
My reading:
5.15.48
